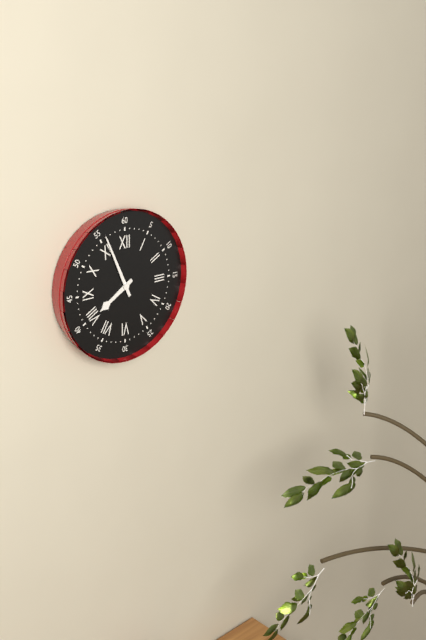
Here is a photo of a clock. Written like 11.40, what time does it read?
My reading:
7.56
